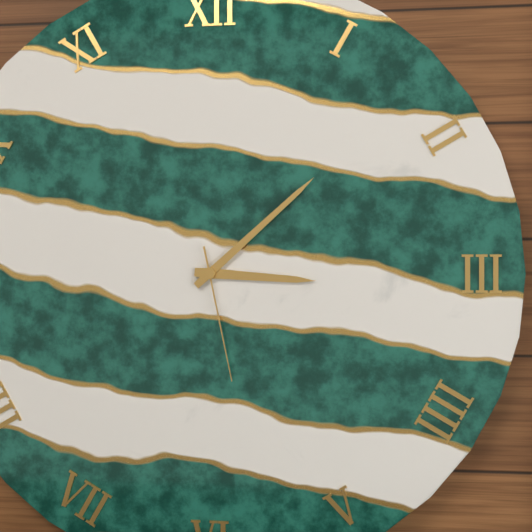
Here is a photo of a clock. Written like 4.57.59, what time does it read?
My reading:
3.08.28
